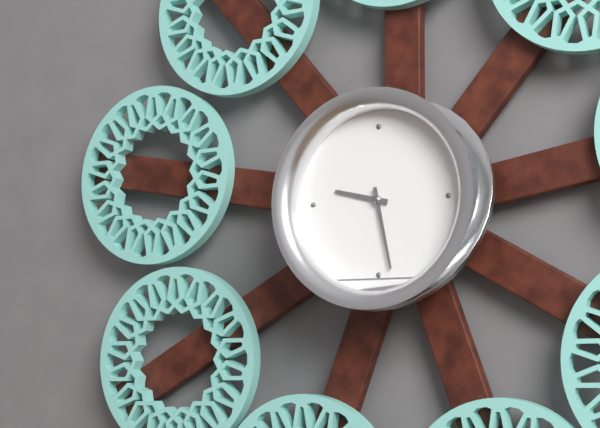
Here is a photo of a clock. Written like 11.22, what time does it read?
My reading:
9.28
